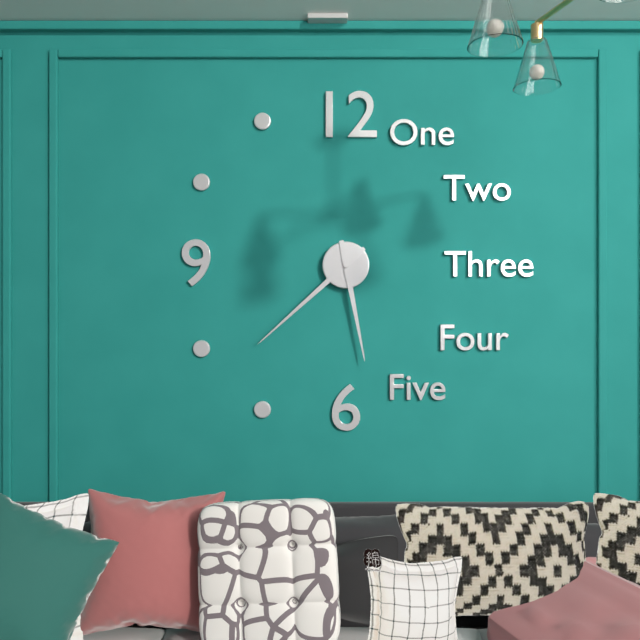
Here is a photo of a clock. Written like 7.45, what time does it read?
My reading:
5.38
